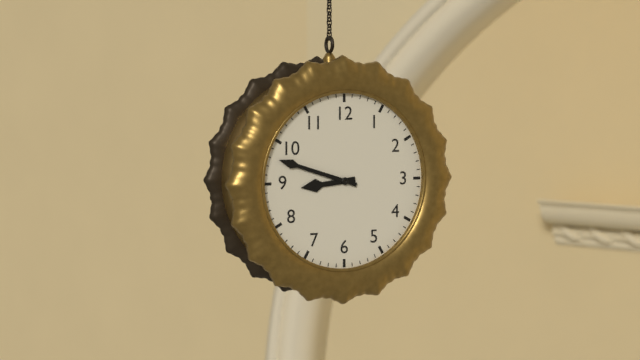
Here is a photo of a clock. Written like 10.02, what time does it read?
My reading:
8.48
